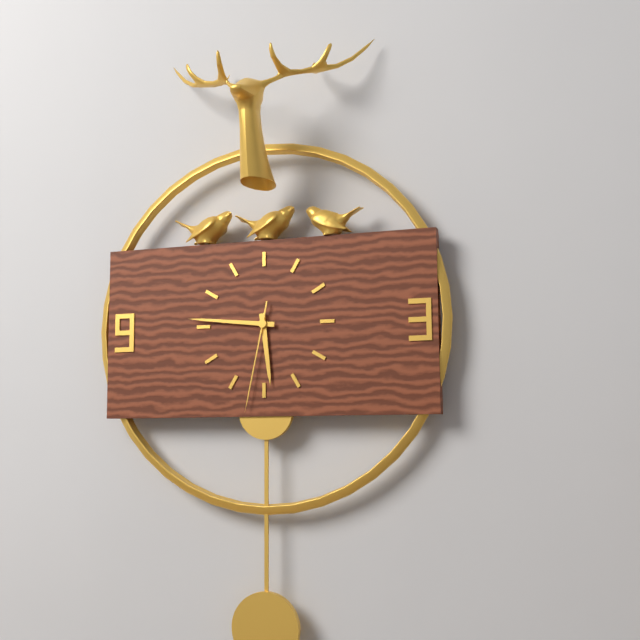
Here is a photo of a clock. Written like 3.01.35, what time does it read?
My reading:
5.46.32
